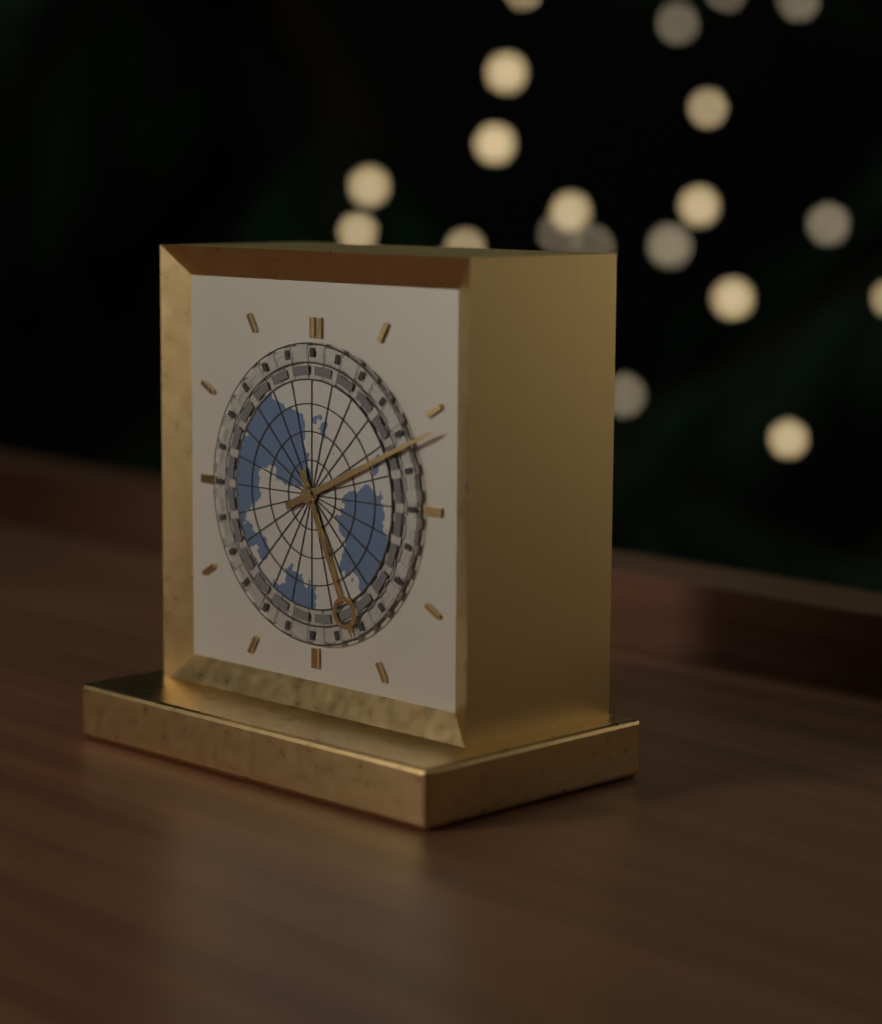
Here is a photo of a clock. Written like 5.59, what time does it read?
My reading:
5.11
